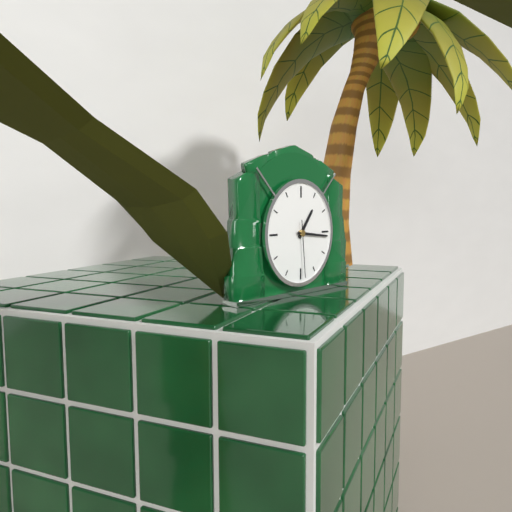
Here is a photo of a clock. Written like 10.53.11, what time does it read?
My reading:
1.16.29
